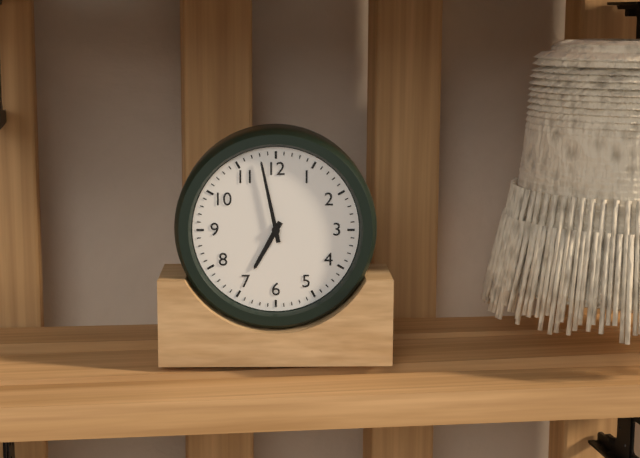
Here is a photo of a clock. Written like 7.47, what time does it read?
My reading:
6.58
